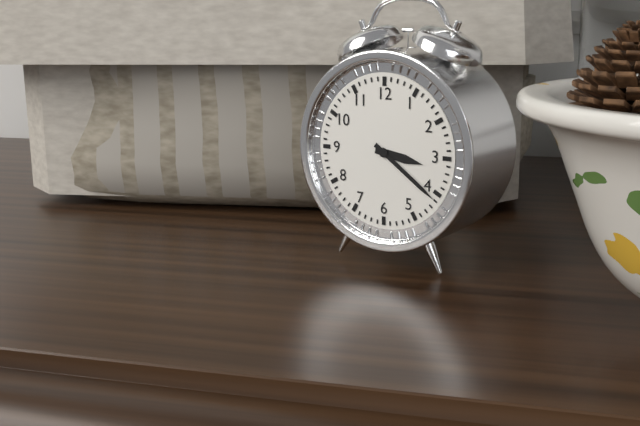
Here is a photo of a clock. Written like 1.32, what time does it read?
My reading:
3.21
